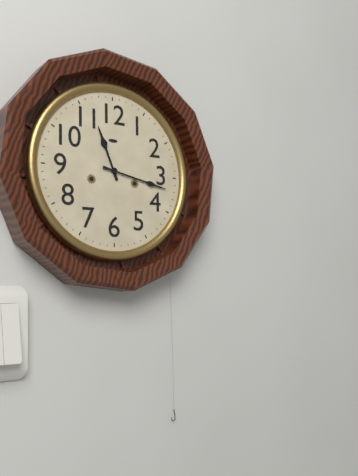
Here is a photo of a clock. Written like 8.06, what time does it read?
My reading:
11.17
